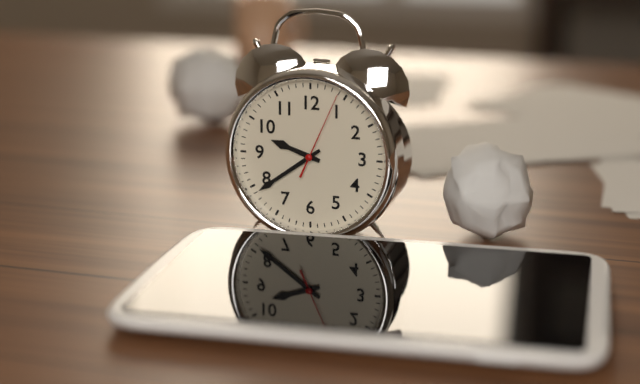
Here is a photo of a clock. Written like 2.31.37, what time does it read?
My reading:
9.39.04
